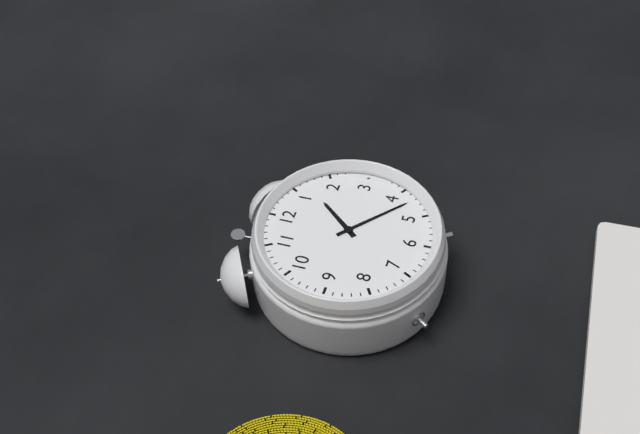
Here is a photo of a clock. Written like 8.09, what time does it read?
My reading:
1.22
